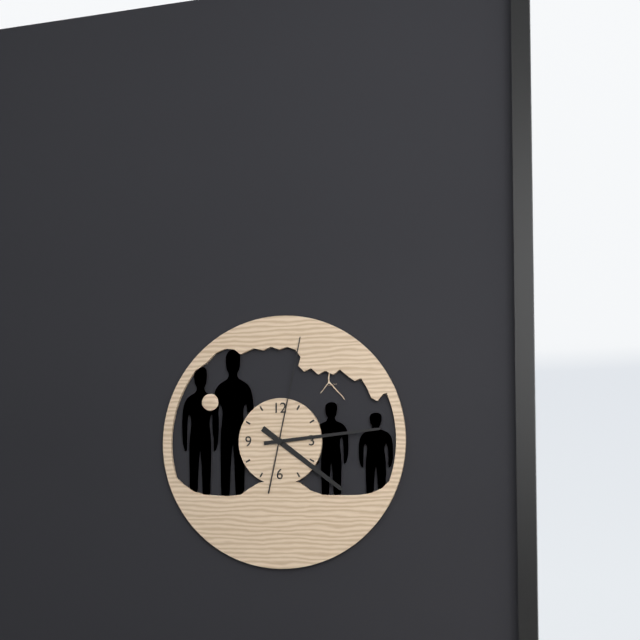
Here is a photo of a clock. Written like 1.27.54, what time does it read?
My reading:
4.14.02
